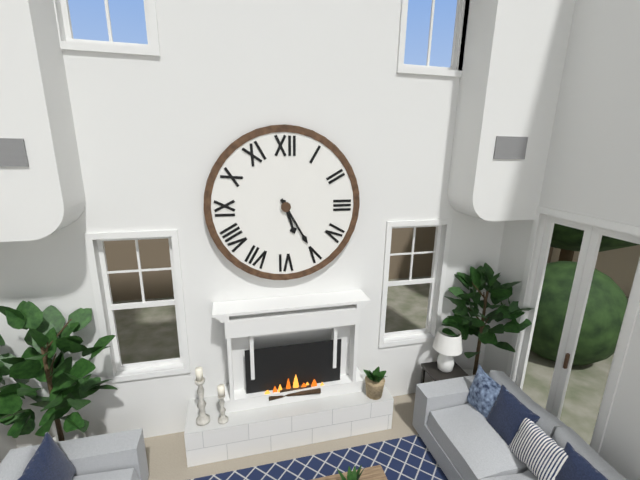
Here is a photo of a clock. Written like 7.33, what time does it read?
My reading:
5.25
